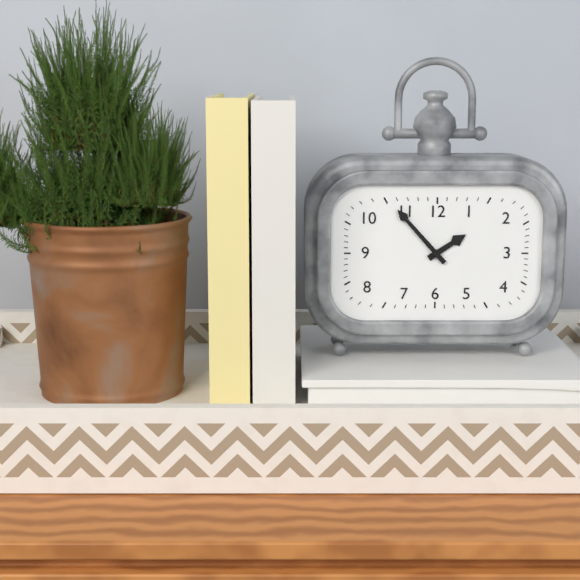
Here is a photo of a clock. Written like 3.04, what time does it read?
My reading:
1.53
